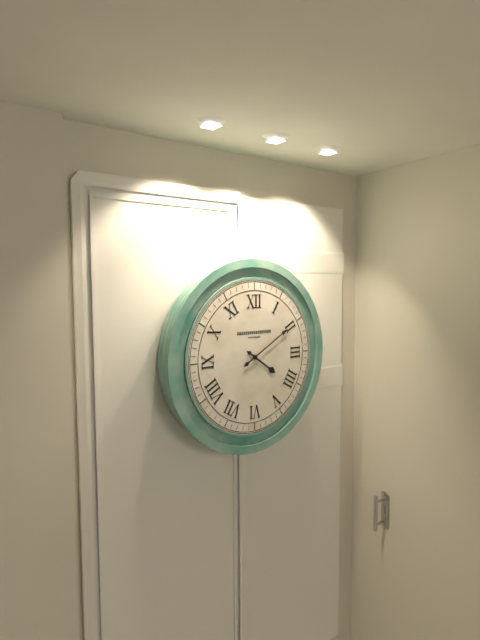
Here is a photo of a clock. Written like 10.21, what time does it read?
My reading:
4.10
